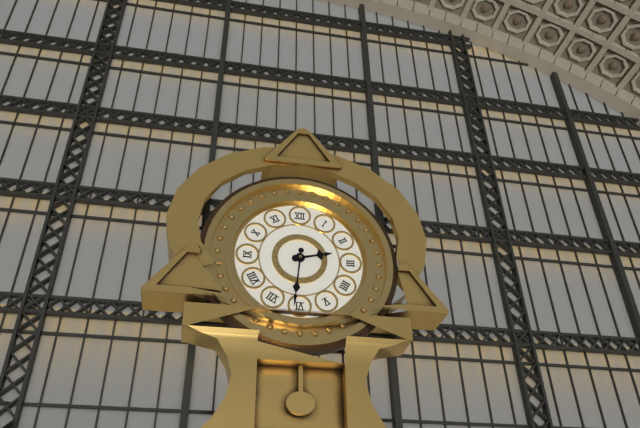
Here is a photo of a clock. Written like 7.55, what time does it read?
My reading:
2.31
